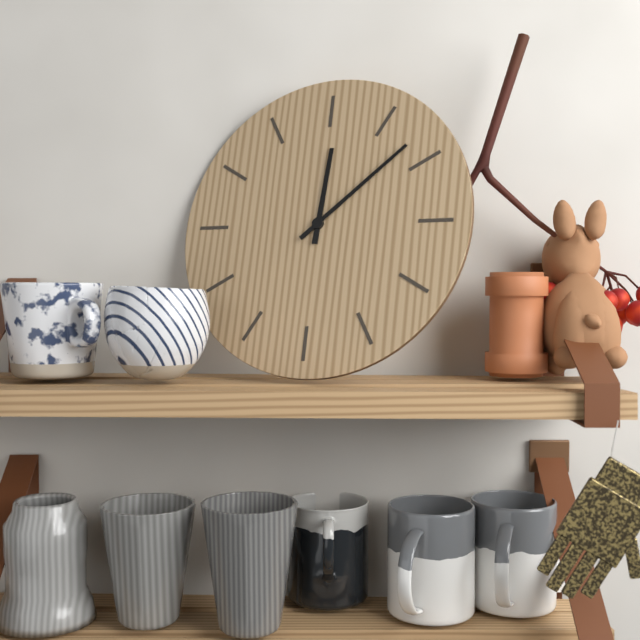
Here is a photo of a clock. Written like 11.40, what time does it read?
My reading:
12.08
